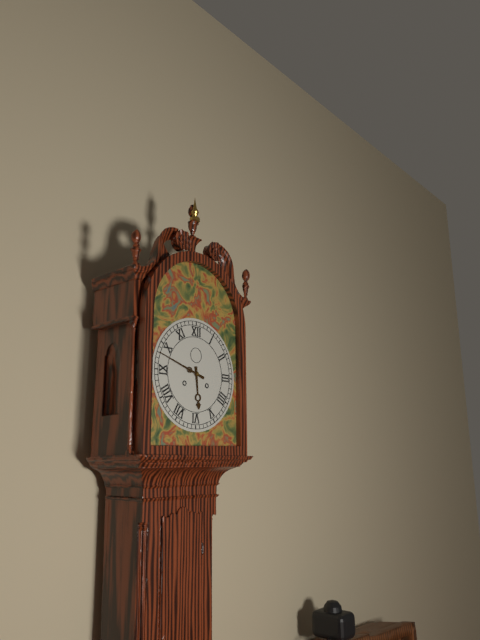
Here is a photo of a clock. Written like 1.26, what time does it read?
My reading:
5.48
